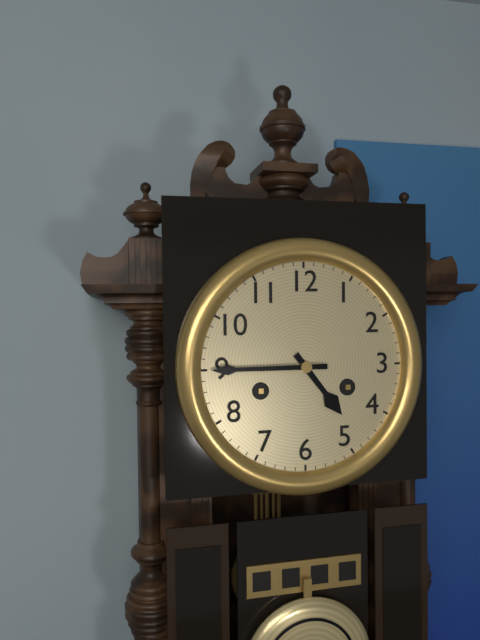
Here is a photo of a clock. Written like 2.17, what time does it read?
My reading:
4.45
